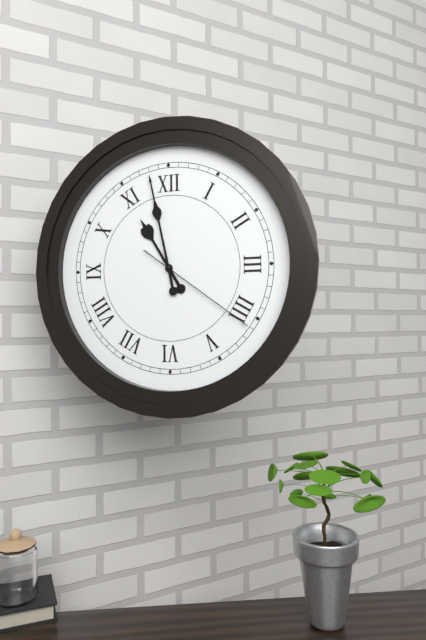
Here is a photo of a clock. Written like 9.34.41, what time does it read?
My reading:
10.58.21
